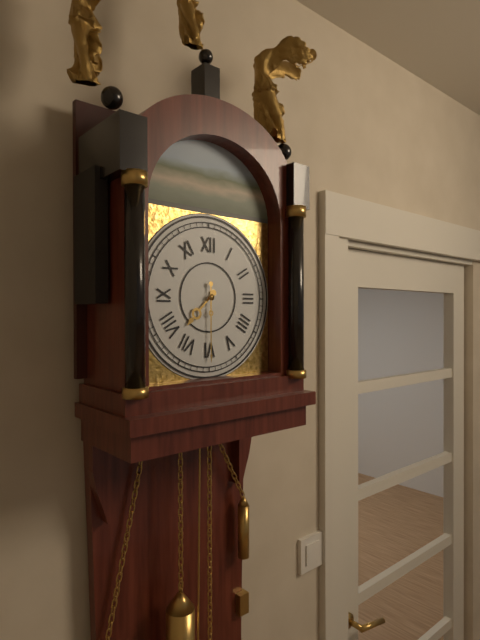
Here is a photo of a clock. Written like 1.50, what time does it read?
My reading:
7.30
